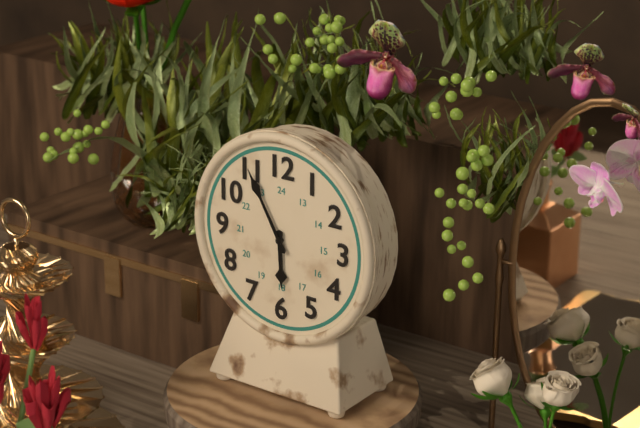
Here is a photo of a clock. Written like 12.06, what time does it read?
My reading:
5.55
